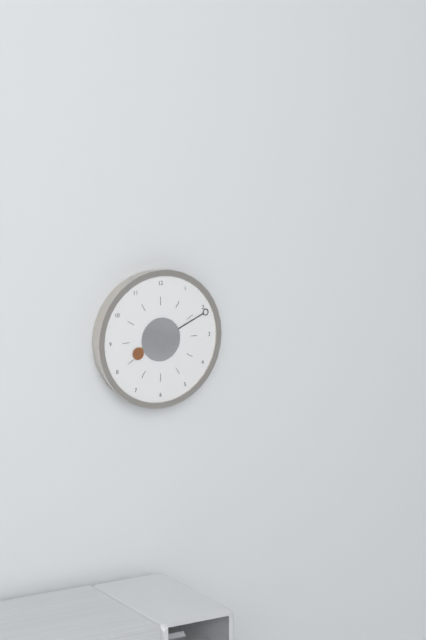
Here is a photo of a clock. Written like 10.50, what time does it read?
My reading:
8.11
